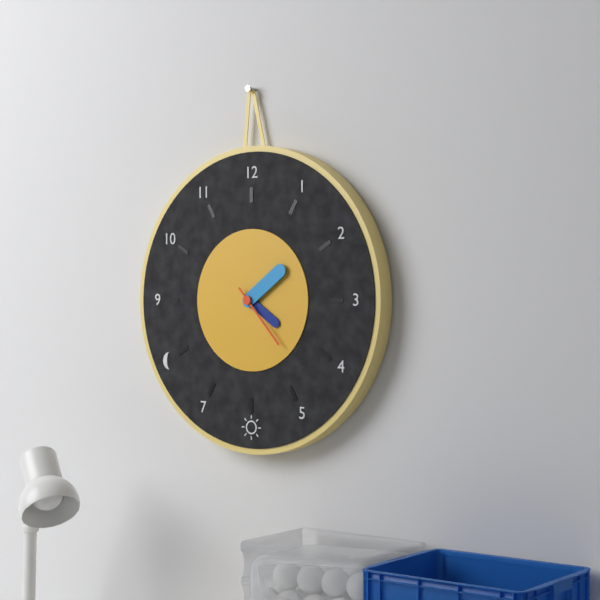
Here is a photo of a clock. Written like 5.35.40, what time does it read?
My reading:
4.09.23
